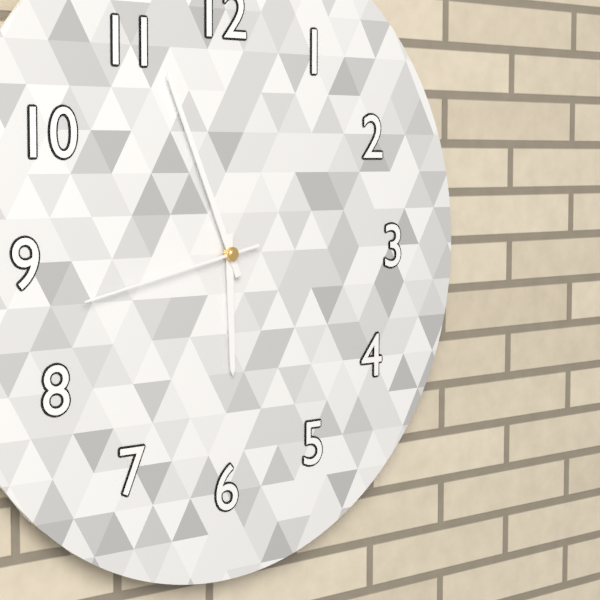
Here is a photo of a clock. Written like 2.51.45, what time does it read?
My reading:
5.56.43
